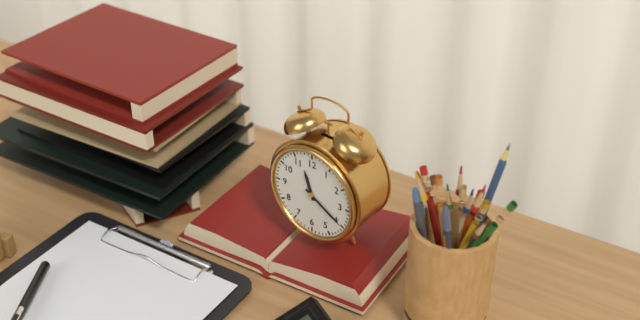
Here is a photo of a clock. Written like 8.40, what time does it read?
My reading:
11.20
